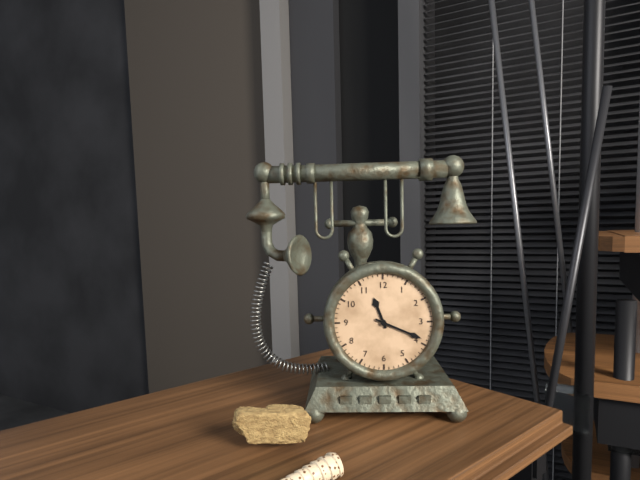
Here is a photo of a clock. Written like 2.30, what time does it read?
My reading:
11.19
